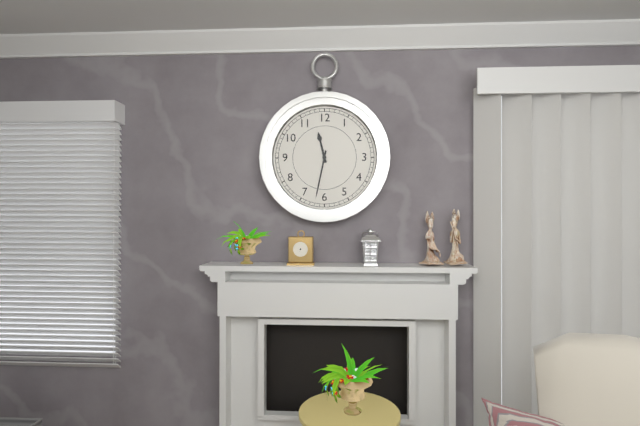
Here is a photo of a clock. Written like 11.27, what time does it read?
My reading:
11.32
